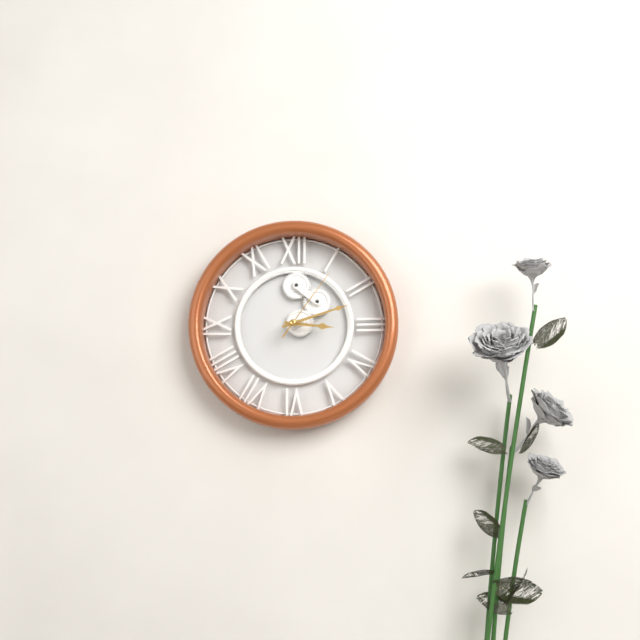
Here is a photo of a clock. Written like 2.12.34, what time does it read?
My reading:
3.12.06
